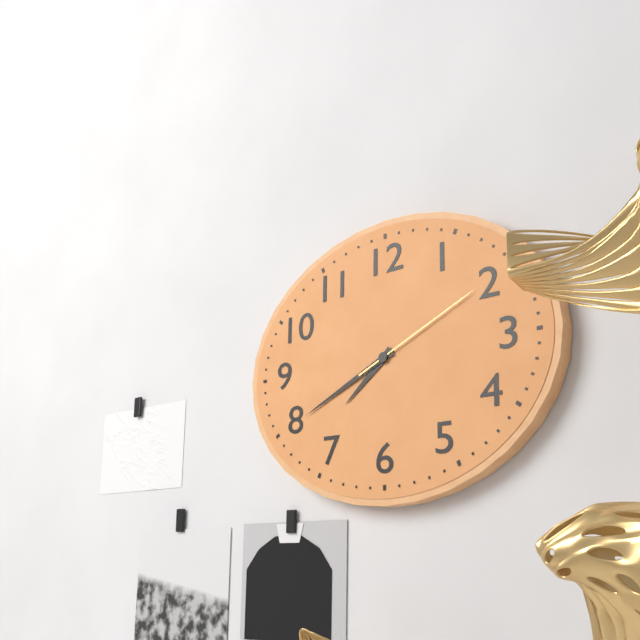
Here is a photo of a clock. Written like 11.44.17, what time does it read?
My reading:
7.41.11
